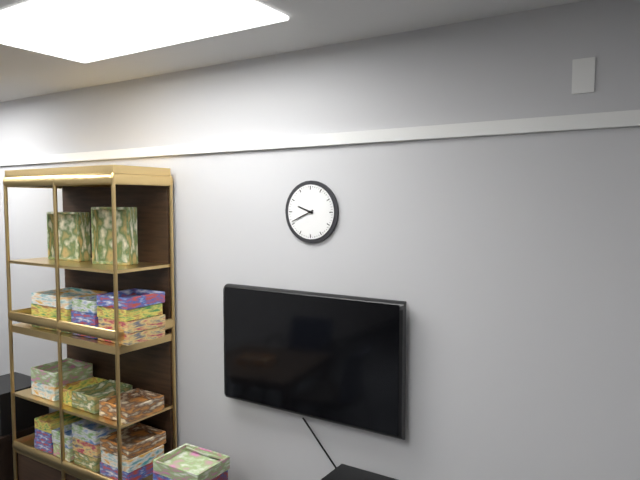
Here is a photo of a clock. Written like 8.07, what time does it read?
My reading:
9.41
